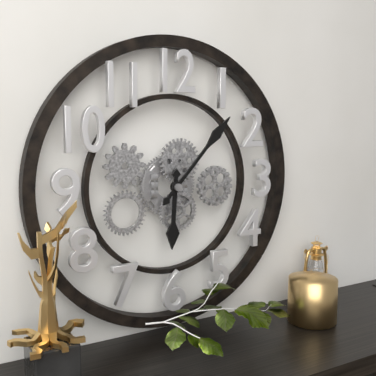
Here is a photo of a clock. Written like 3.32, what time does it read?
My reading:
6.07
